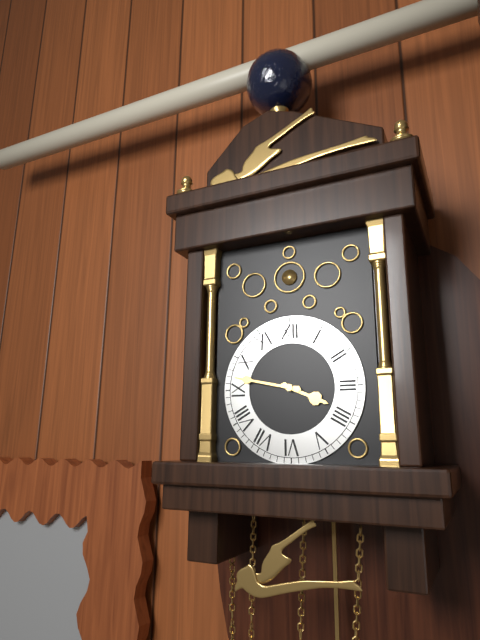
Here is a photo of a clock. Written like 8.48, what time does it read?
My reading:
3.47
